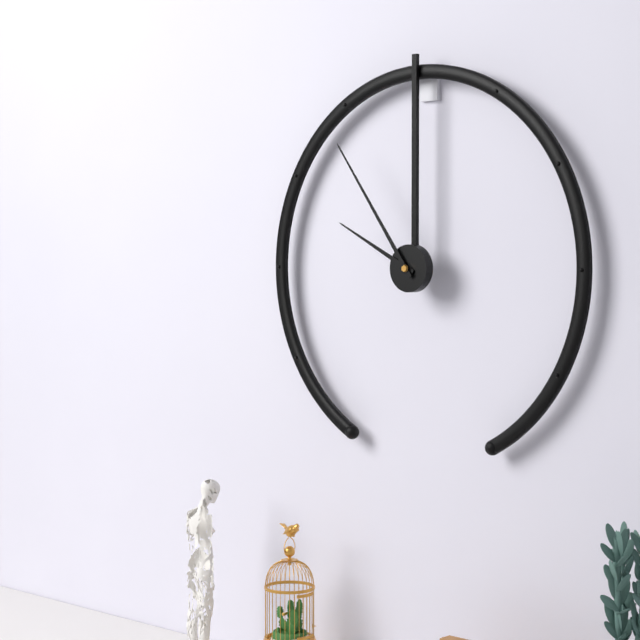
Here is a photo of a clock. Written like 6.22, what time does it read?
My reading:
9.54
